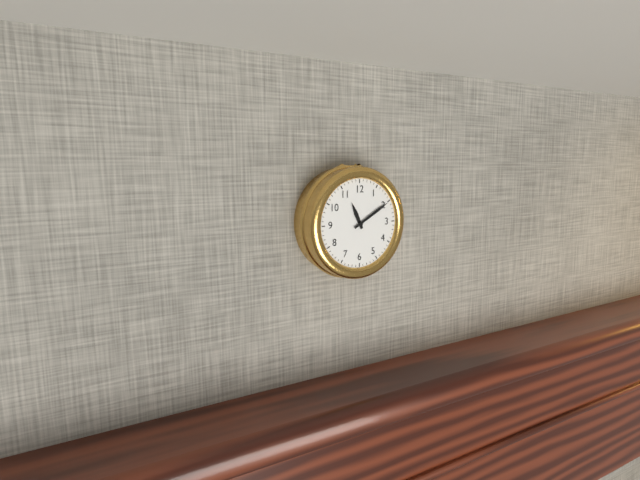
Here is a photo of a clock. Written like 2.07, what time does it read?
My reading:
11.10
